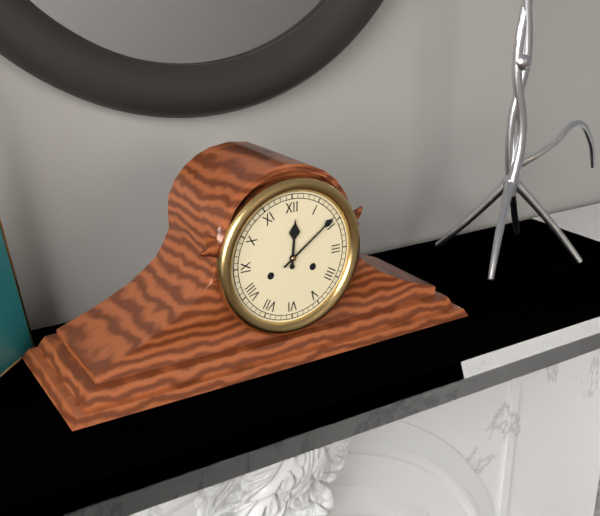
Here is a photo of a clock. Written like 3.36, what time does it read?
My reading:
12.09
